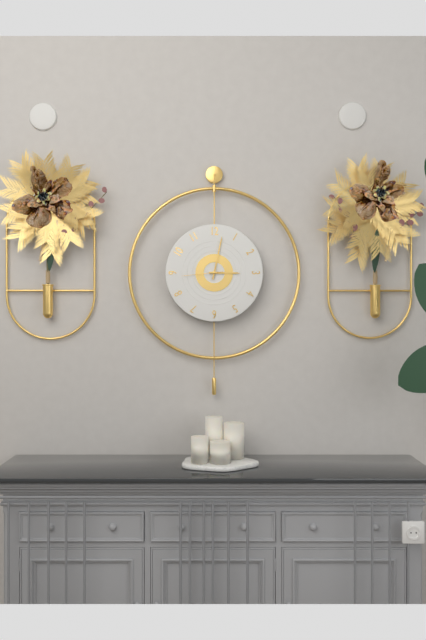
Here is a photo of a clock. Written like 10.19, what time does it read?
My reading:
3.02
